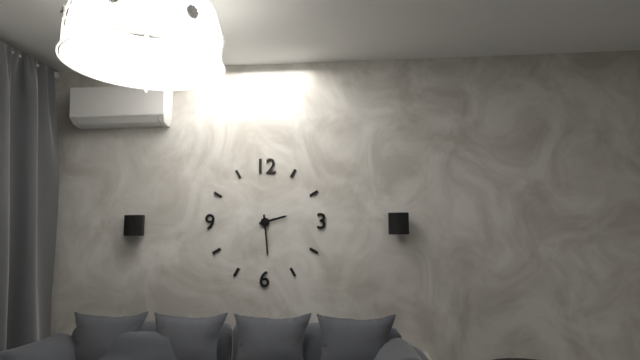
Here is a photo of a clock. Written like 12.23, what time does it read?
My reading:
2.29
